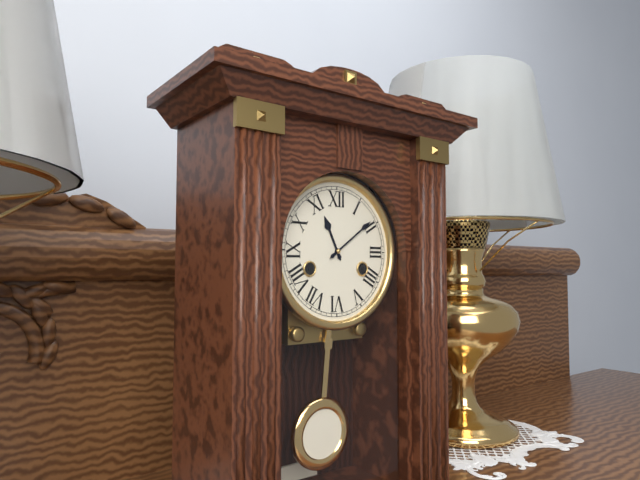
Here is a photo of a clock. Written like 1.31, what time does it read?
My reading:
11.09
